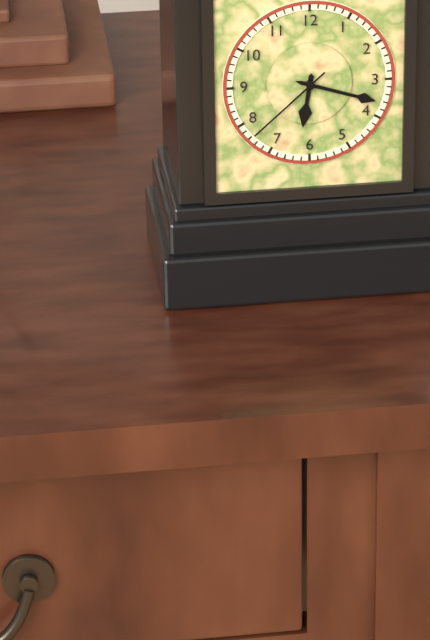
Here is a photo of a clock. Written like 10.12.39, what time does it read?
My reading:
6.18.38
